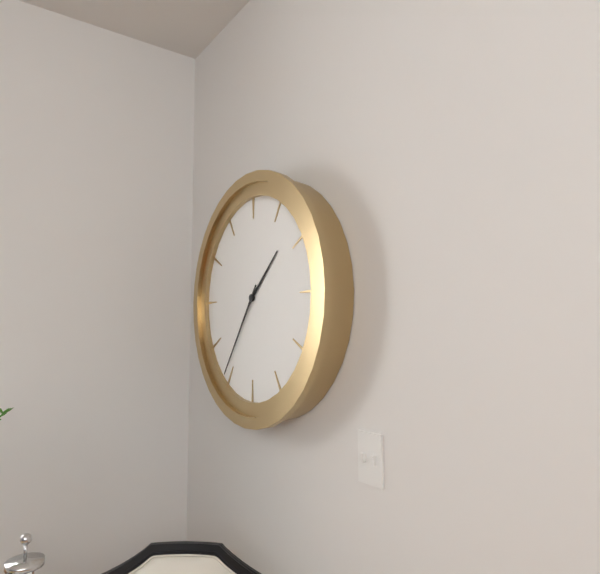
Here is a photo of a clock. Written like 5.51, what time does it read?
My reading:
1.36
